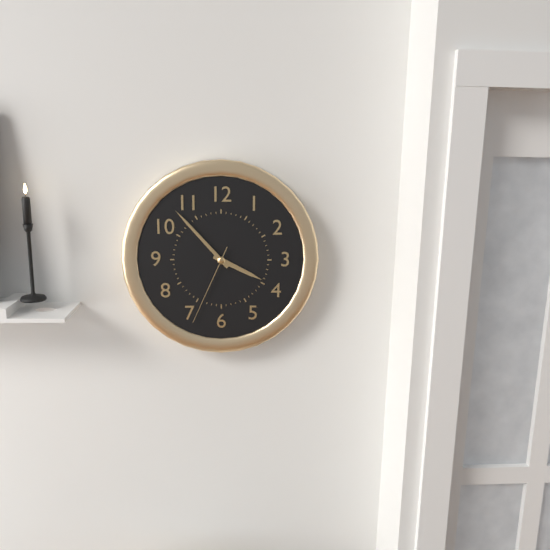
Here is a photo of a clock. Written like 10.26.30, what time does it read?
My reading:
3.53.34
